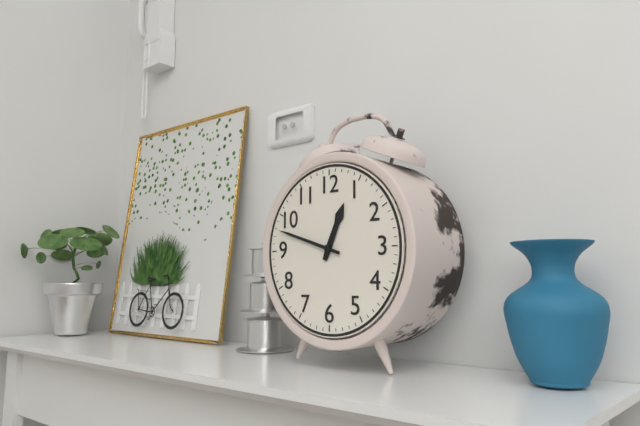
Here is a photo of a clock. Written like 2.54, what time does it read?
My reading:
12.48
